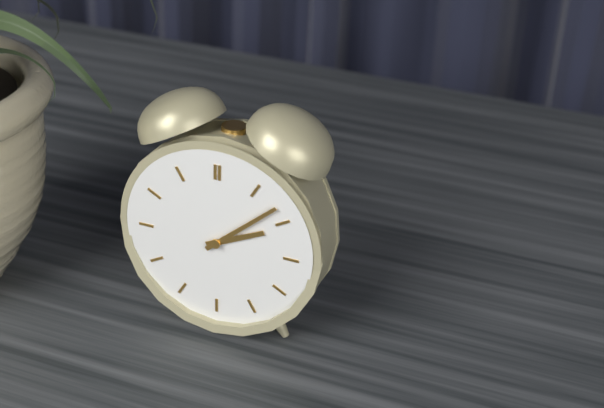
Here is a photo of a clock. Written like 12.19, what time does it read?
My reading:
2.08
